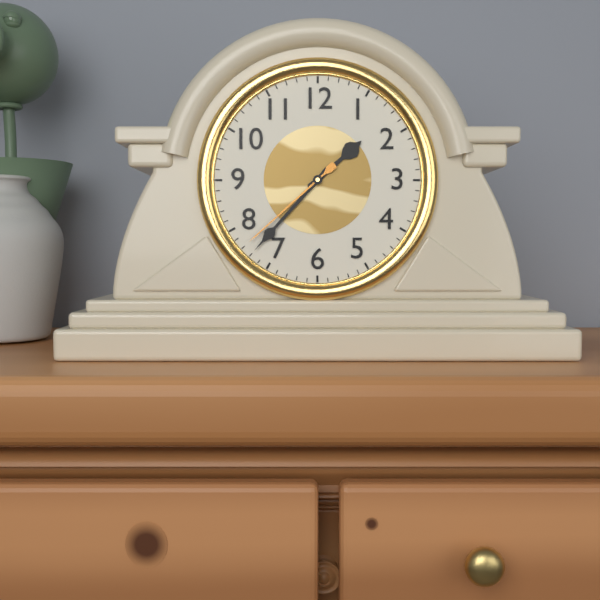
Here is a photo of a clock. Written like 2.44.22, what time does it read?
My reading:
1.37.38
